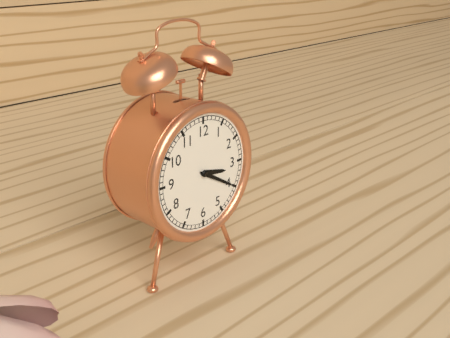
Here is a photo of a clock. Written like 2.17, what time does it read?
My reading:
3.20
